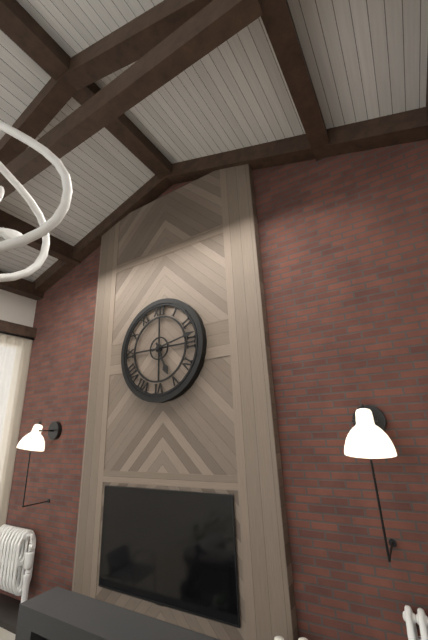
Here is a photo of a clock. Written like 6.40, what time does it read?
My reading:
5.13
